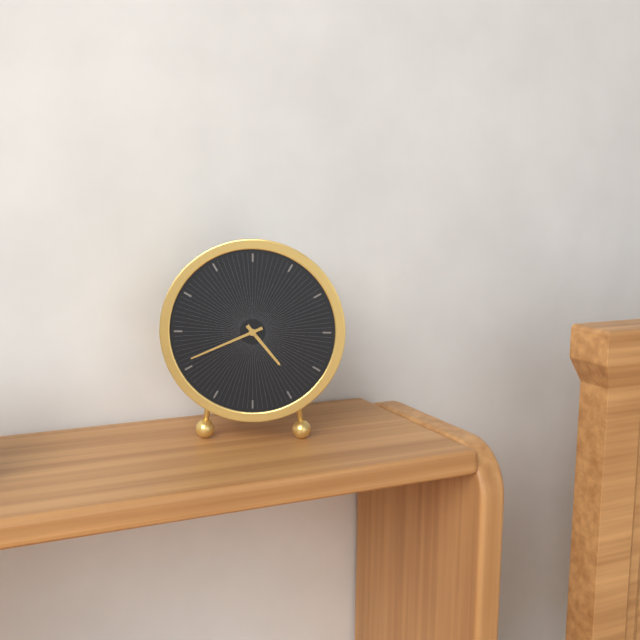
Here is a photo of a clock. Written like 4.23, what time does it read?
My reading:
4.41
